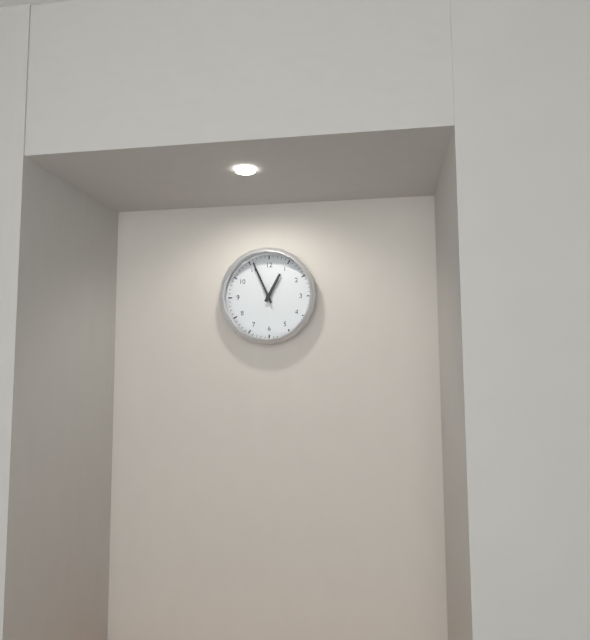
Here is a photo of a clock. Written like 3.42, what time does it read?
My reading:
12.56
